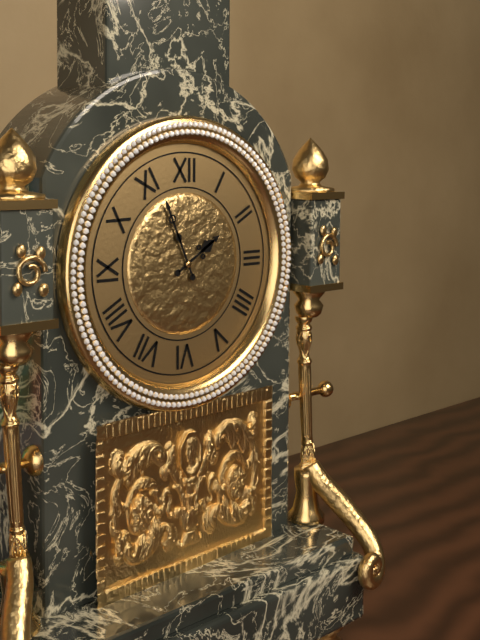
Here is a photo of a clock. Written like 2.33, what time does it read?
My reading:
1.56
